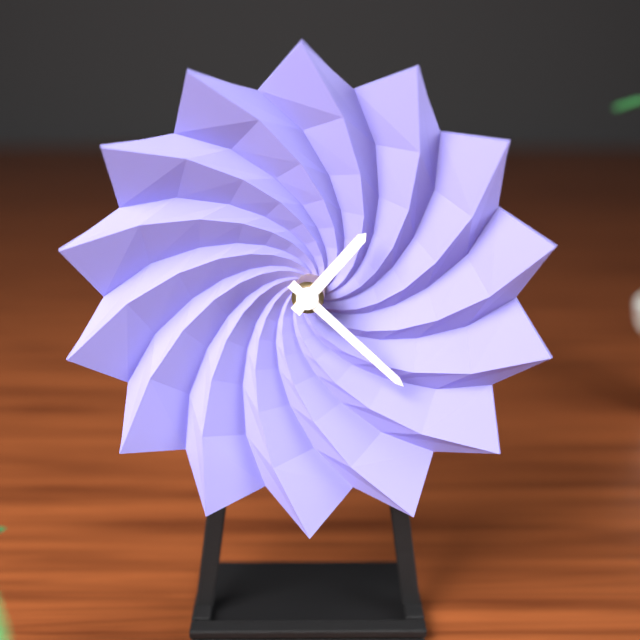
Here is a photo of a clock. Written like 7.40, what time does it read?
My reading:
1.22
